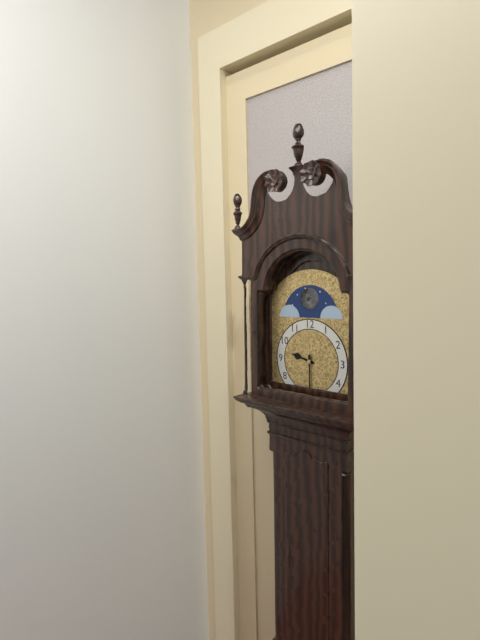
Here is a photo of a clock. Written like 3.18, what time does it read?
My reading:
9.30
